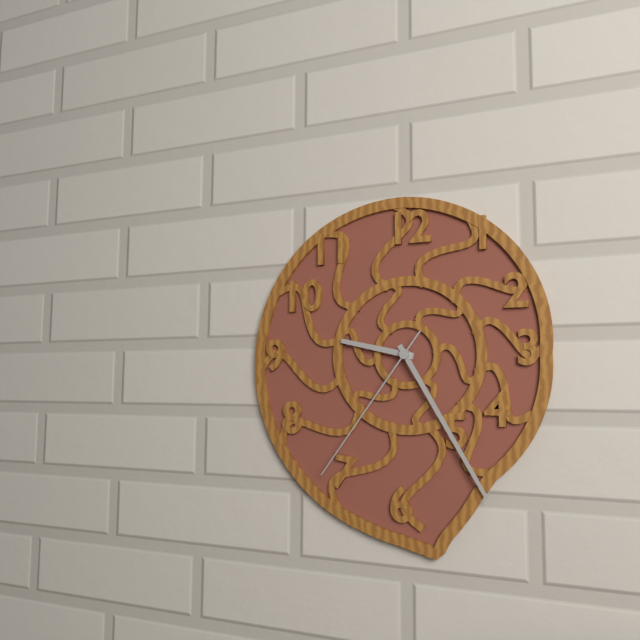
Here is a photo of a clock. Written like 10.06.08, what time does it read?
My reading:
9.25.36
